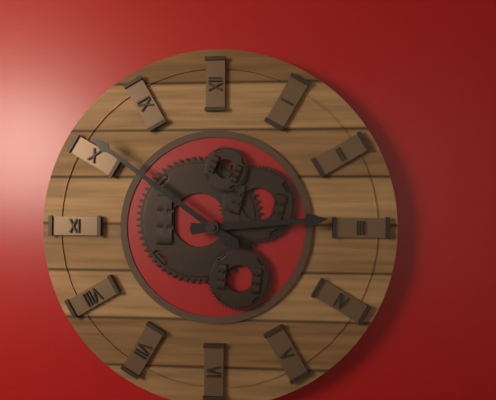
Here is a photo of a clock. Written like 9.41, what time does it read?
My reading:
2.51
